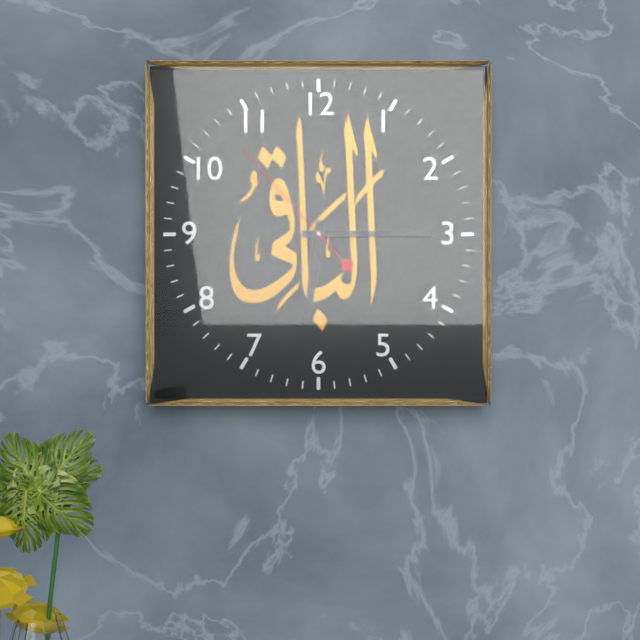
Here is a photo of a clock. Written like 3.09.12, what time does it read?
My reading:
6.15.53
